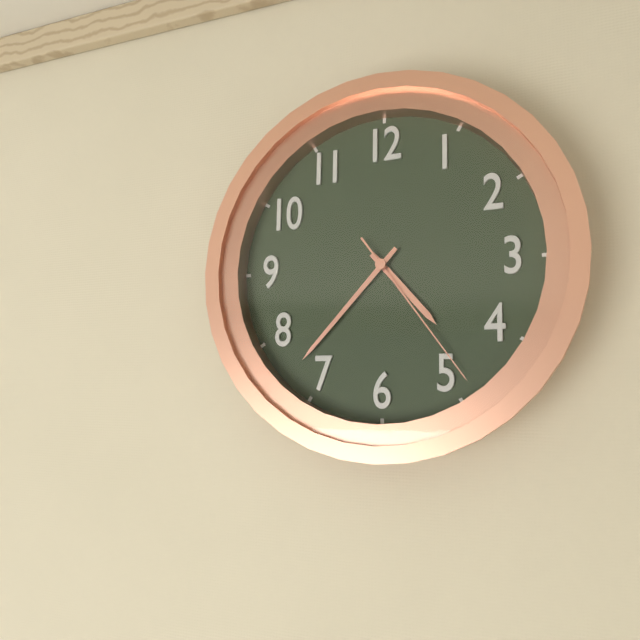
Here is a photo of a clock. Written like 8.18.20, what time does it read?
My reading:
4.37.24
